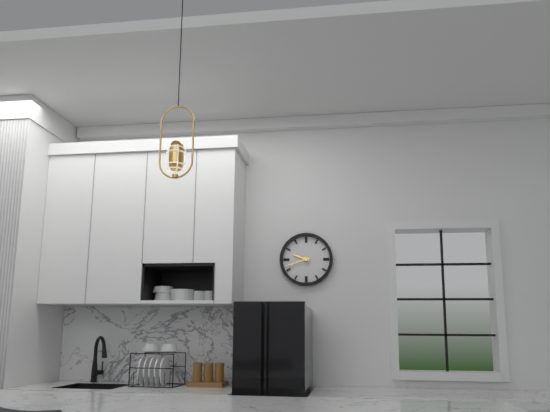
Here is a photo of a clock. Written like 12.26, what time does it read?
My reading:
9.42
